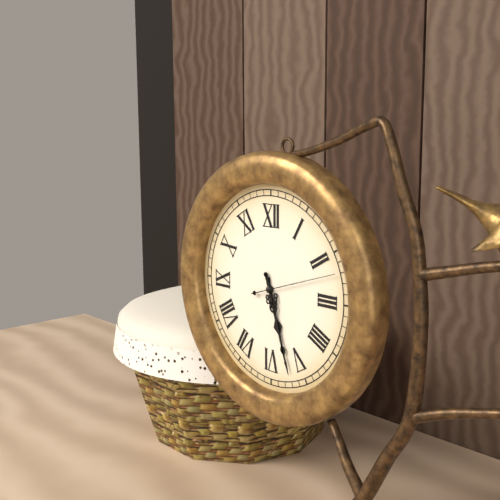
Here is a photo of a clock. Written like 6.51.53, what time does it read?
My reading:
5.27.12
